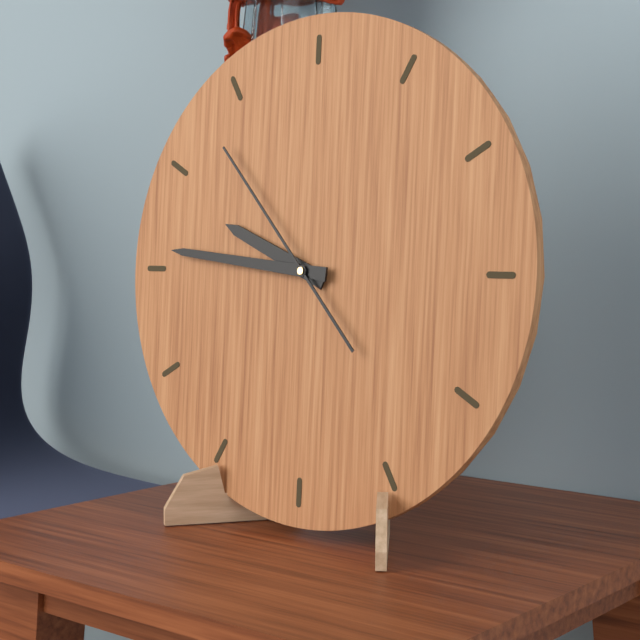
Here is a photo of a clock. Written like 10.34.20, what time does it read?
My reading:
9.46.53
